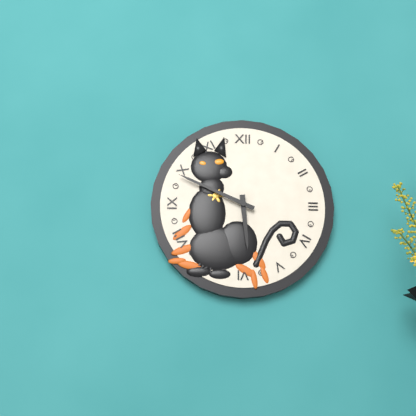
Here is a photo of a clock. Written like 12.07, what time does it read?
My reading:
5.49
